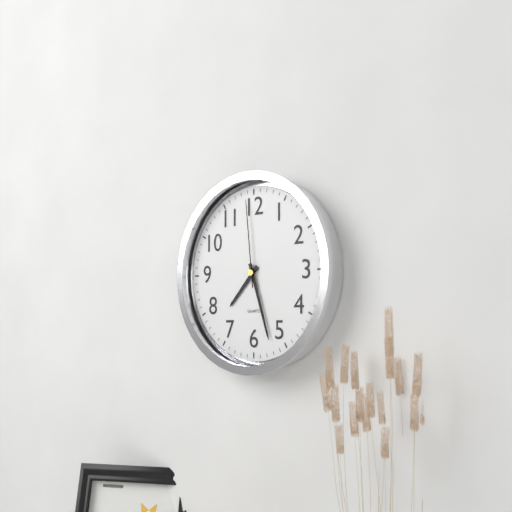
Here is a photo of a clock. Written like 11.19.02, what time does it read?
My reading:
7.27.59
